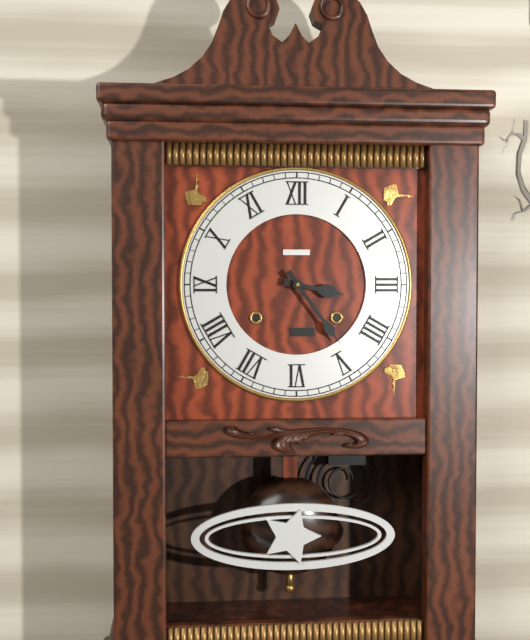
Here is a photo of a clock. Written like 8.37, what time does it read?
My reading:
3.24
